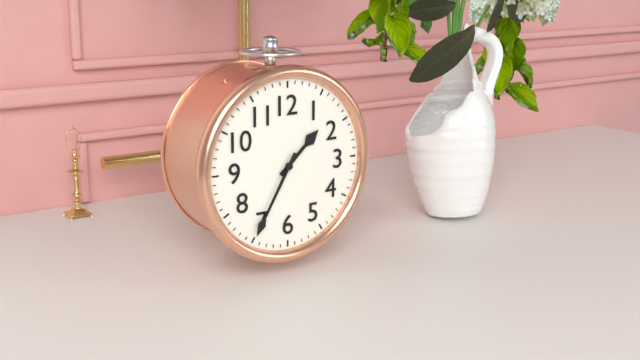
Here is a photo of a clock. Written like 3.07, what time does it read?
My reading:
1.35
